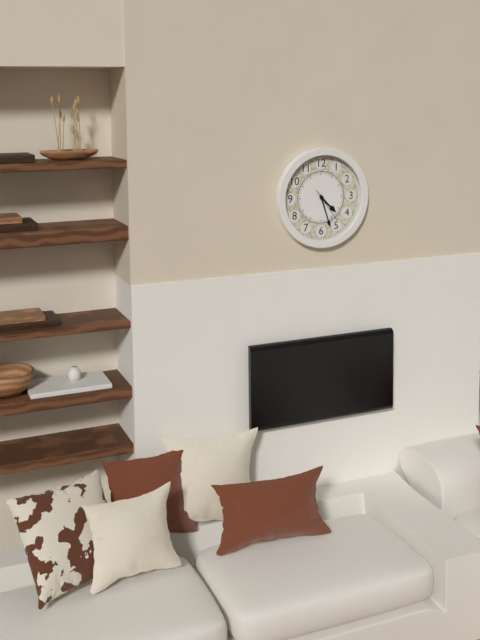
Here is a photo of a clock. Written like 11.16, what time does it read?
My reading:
4.27
